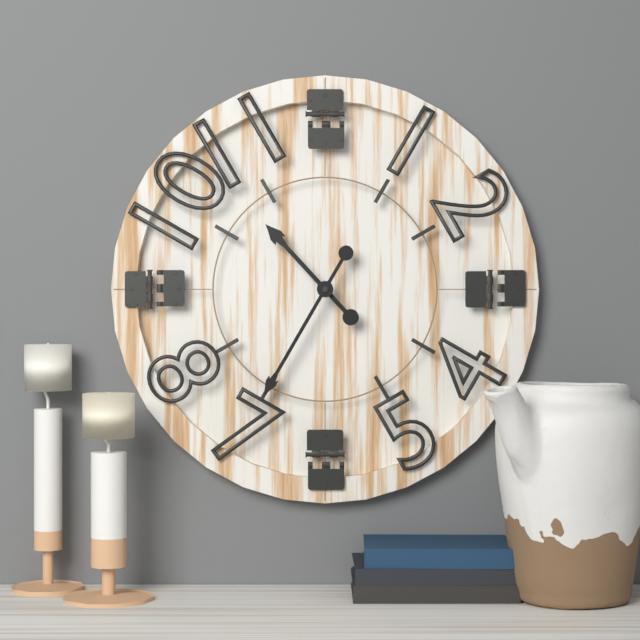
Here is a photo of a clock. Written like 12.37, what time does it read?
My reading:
10.35
